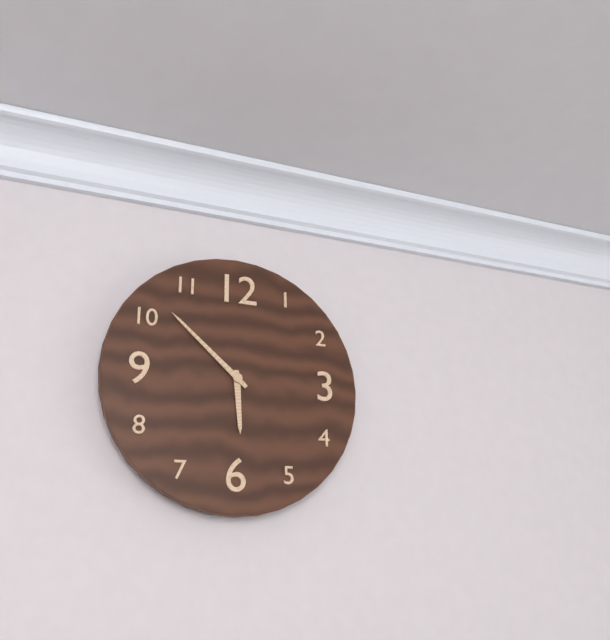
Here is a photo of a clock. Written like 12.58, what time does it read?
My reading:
5.52
